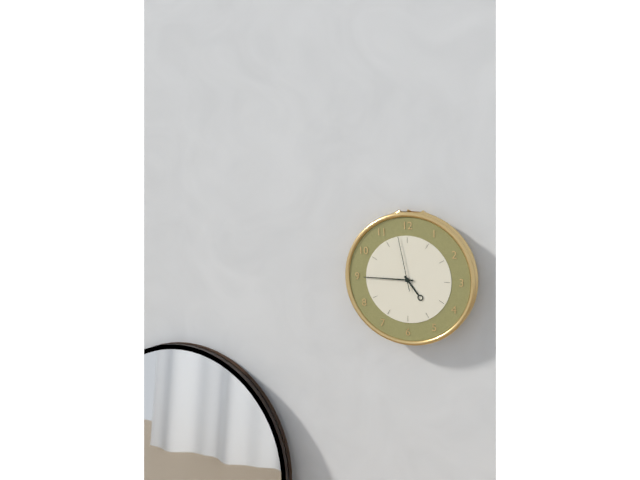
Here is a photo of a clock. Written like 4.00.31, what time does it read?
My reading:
4.45.58
